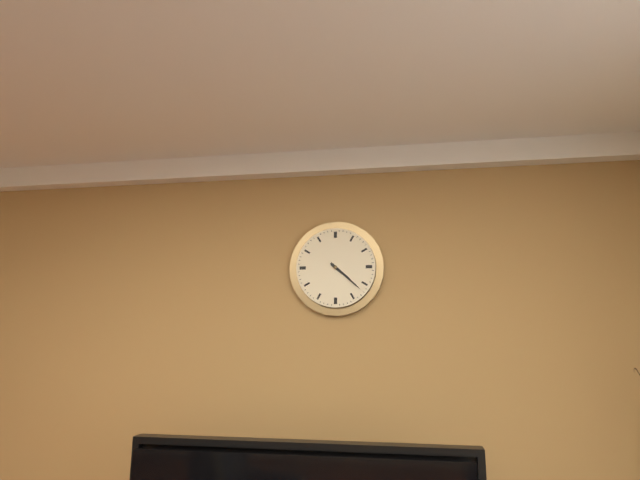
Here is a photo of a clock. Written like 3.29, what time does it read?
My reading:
4.22
